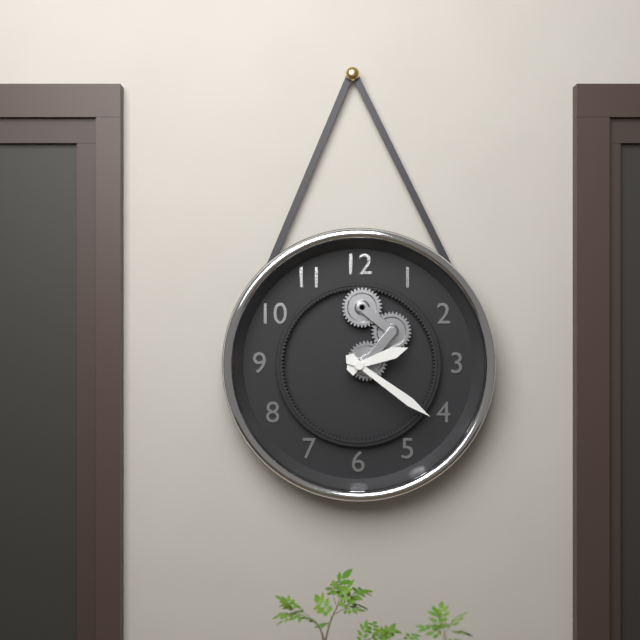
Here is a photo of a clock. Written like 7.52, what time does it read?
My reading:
2.21
